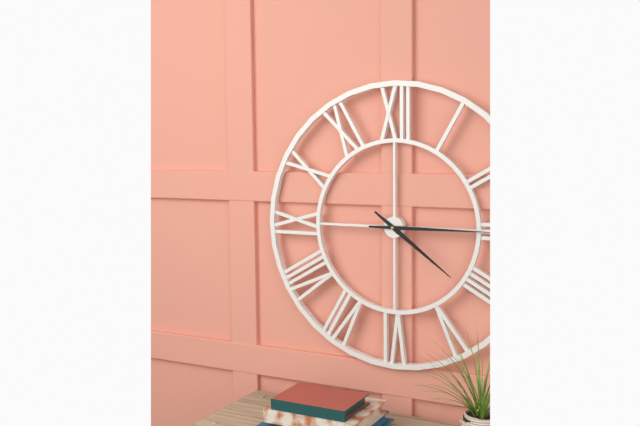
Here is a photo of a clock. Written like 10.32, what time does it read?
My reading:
4.15
